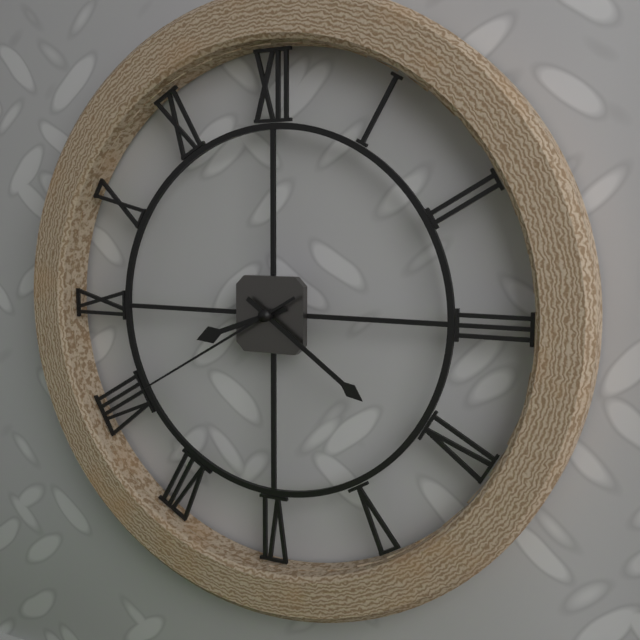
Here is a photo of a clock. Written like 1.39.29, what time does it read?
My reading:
8.21.40
